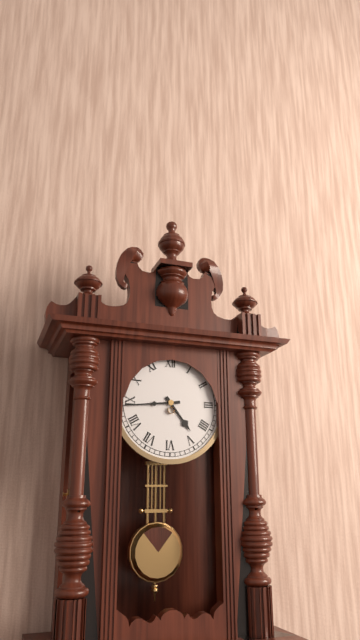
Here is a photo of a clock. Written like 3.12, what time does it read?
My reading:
4.44
